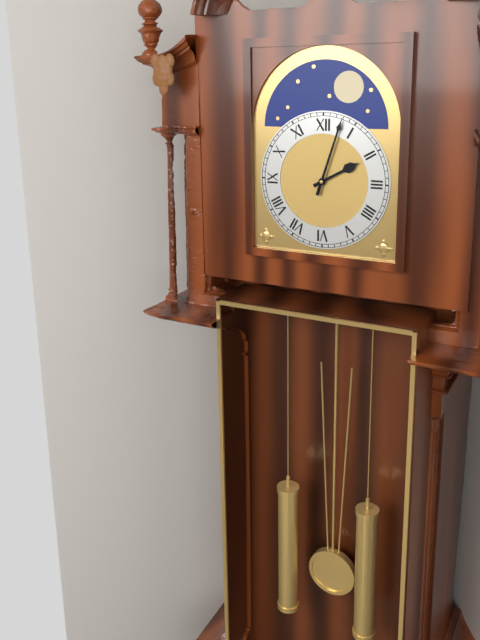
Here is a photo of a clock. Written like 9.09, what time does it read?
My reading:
2.03
